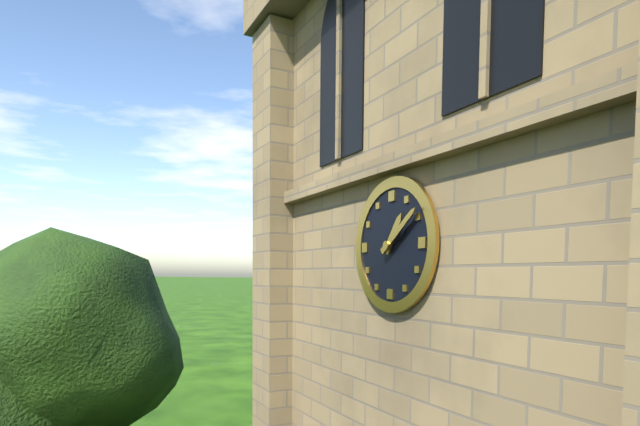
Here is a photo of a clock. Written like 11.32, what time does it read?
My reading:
1.09
